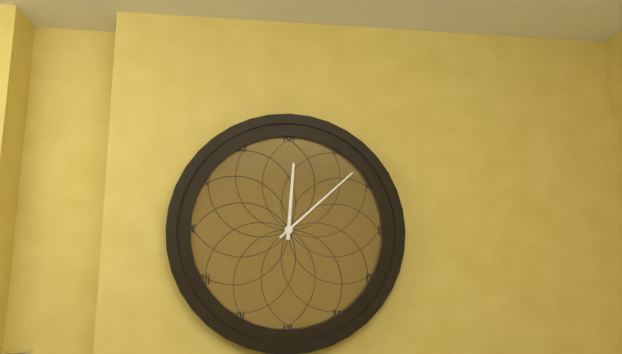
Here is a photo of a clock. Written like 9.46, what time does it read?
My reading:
12.08
